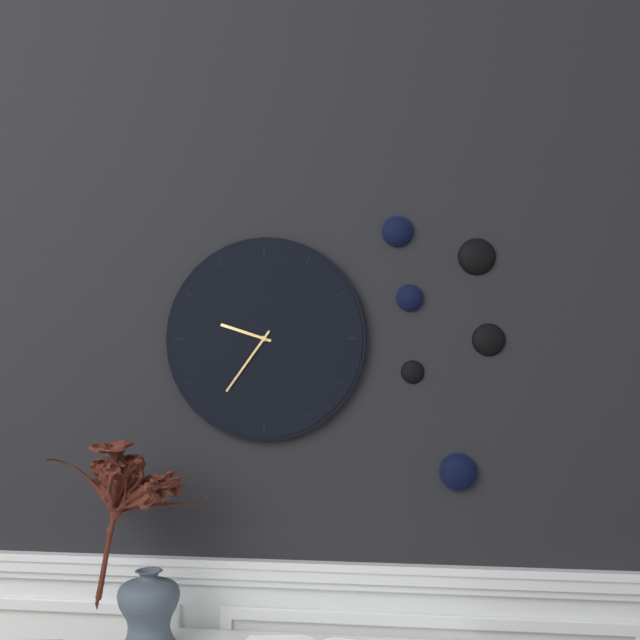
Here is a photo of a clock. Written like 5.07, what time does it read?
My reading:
9.36
